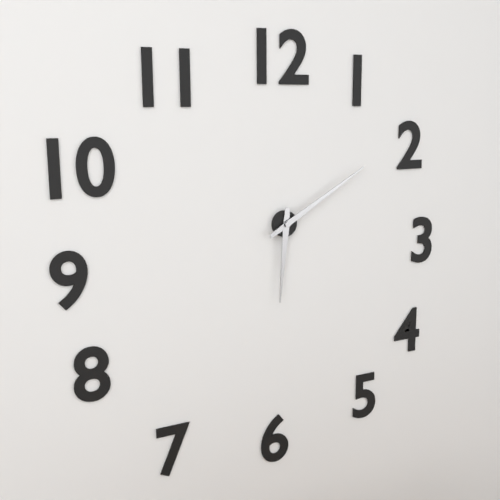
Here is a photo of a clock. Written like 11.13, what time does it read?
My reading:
6.10
